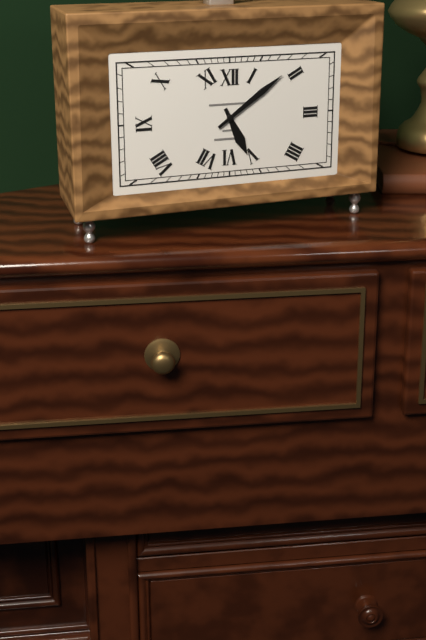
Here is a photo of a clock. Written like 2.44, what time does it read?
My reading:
5.09
